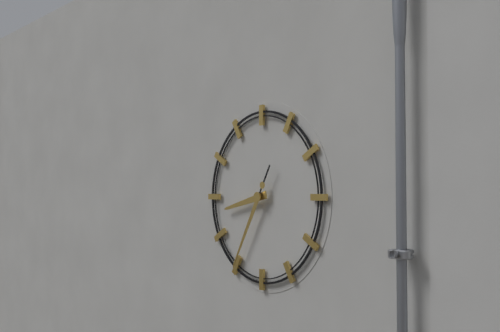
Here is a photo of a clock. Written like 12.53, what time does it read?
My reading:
8.35
